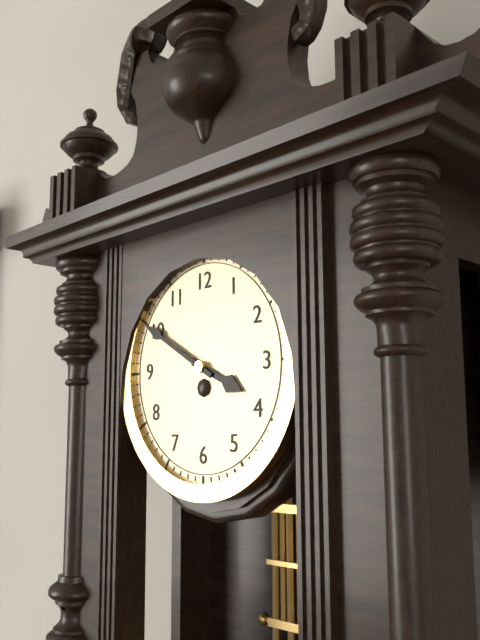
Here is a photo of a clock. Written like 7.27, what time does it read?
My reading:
3.50
